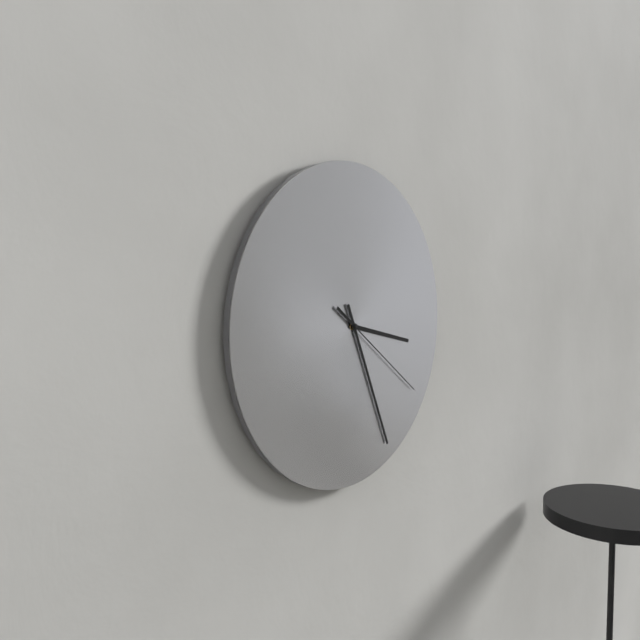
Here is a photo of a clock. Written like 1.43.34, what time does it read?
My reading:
3.26.21
